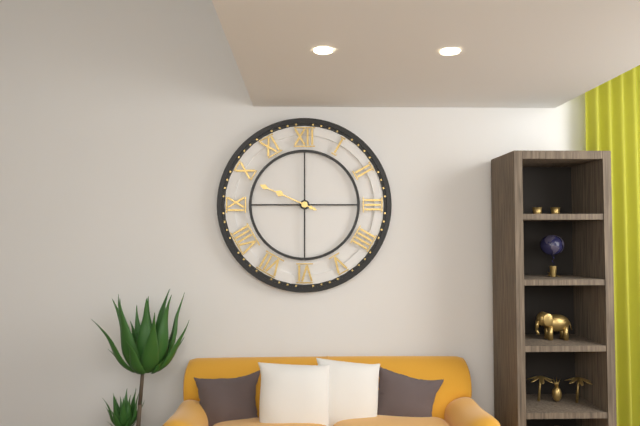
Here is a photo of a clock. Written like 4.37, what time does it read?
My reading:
9.49
